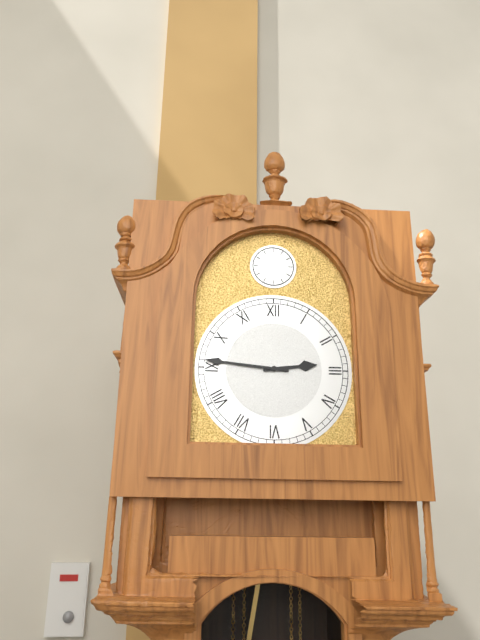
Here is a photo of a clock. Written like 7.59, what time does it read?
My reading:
2.46
